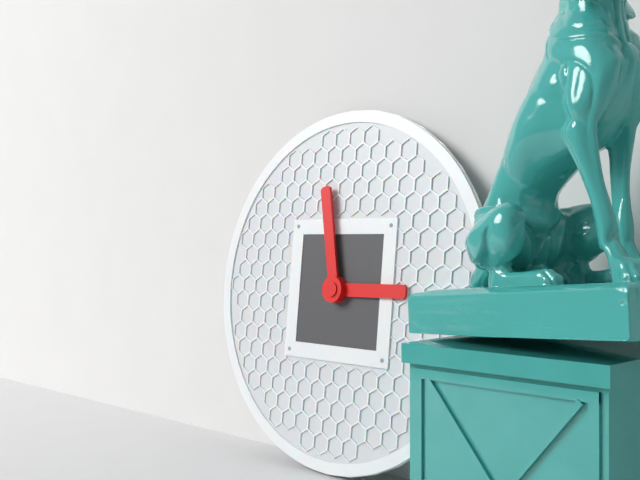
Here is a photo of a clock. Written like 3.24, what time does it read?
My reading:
2.58
